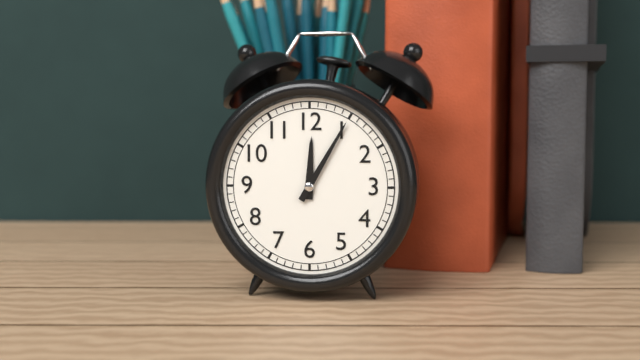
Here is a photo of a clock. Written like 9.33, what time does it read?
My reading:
12.05
